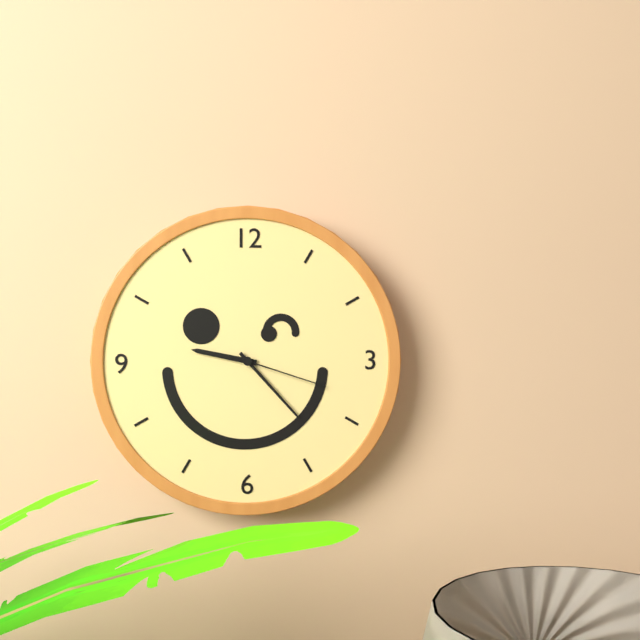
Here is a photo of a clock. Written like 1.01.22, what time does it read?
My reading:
9.23.18
